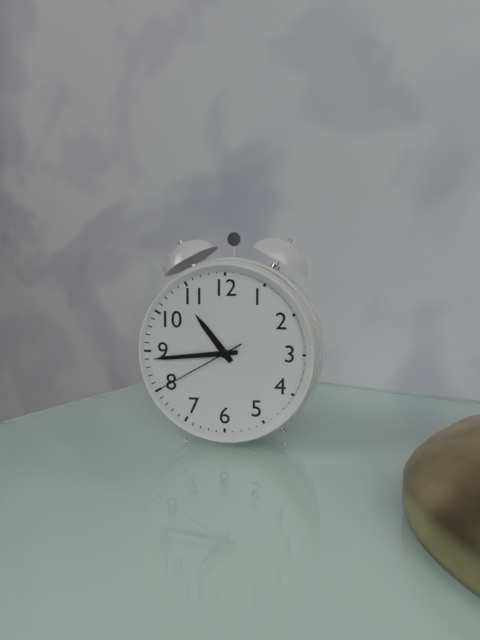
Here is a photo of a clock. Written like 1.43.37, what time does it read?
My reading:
10.44.40
